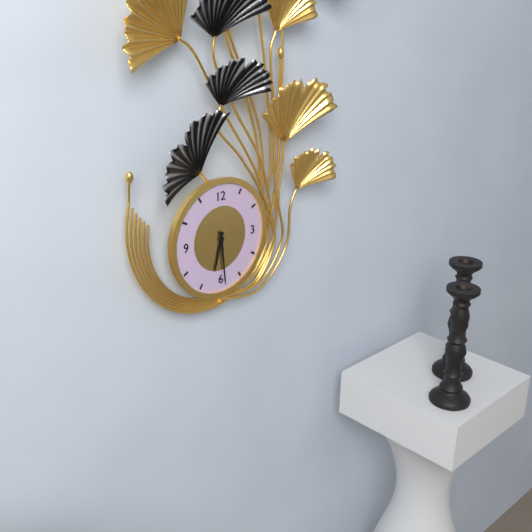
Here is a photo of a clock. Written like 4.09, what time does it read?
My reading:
6.29
